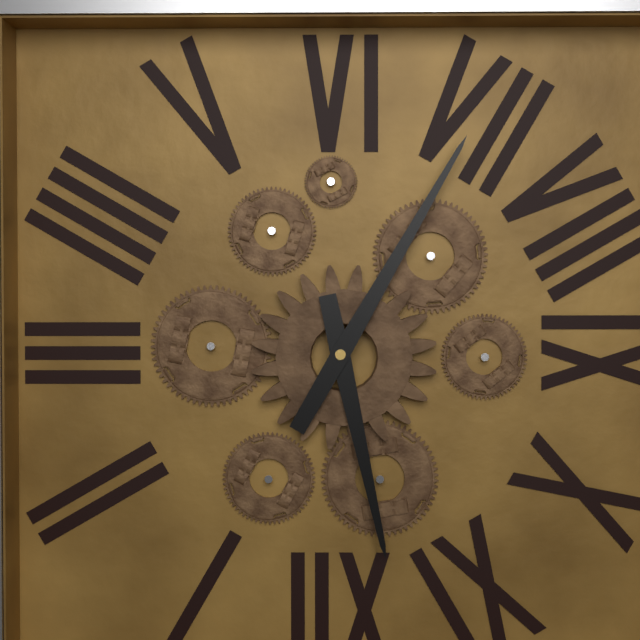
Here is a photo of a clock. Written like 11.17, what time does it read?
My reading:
11.35
